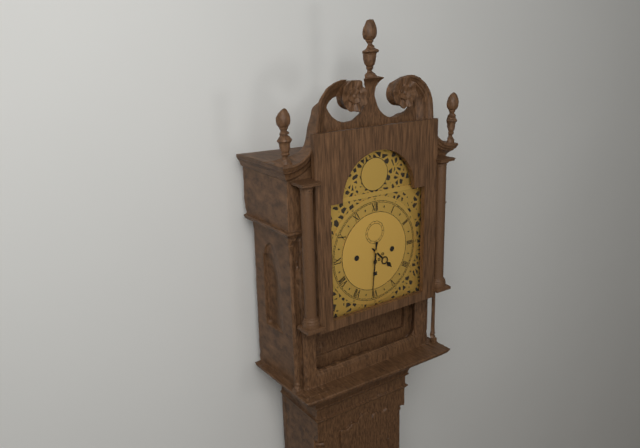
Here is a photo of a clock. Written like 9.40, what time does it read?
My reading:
4.31
